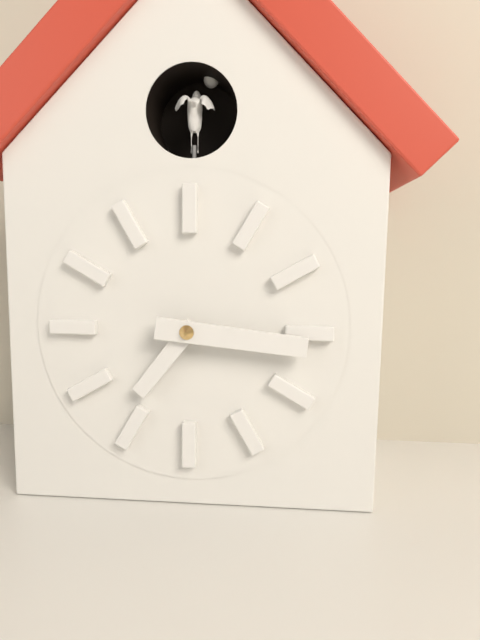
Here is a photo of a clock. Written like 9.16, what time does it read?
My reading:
7.16
